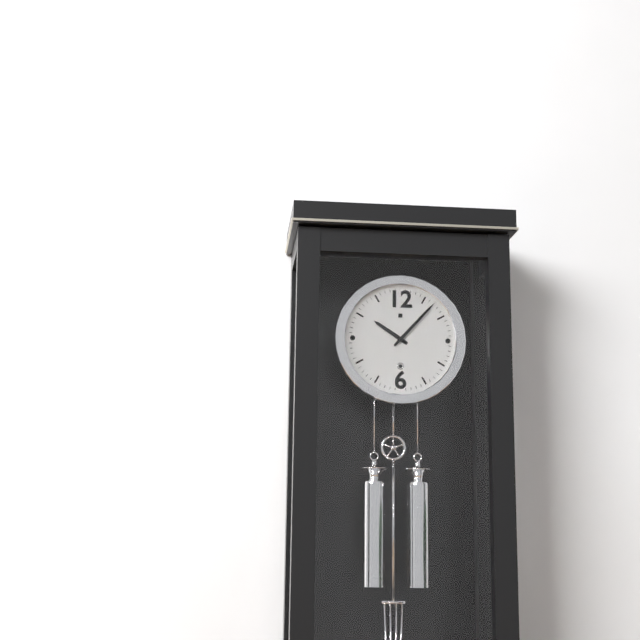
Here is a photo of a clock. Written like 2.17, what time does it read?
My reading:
10.07
